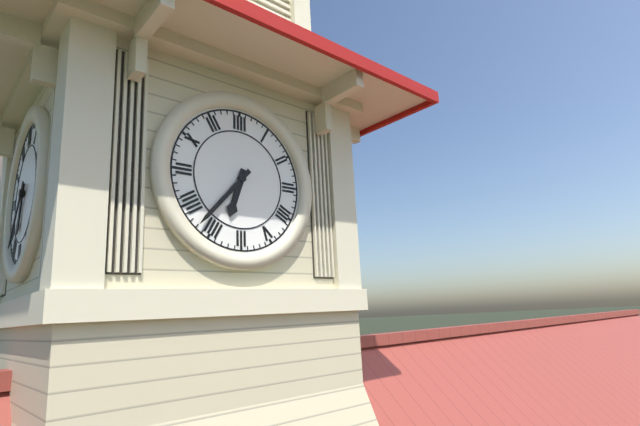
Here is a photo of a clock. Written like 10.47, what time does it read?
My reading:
6.37
